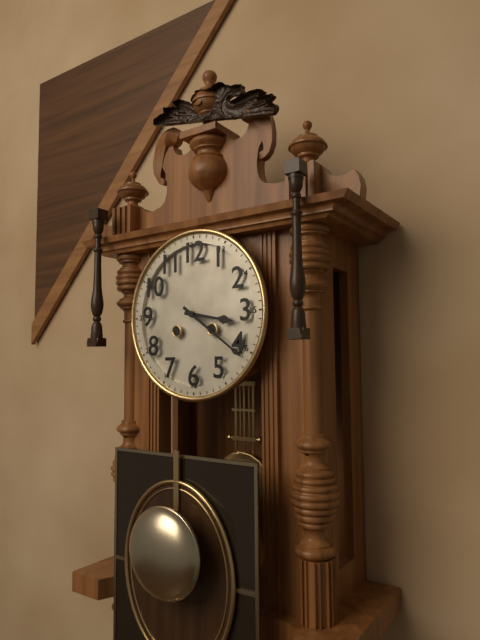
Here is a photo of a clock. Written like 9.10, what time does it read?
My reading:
3.21
